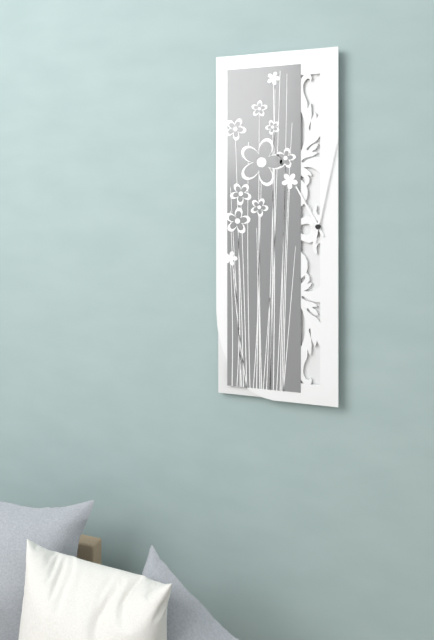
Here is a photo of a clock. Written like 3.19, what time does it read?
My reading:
11.02
